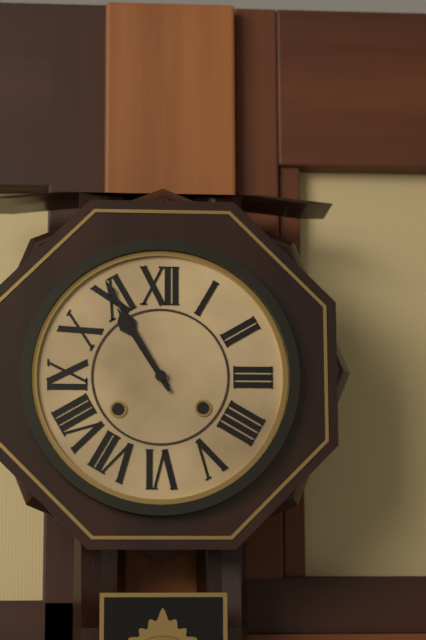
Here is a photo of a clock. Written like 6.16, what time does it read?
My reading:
10.55
